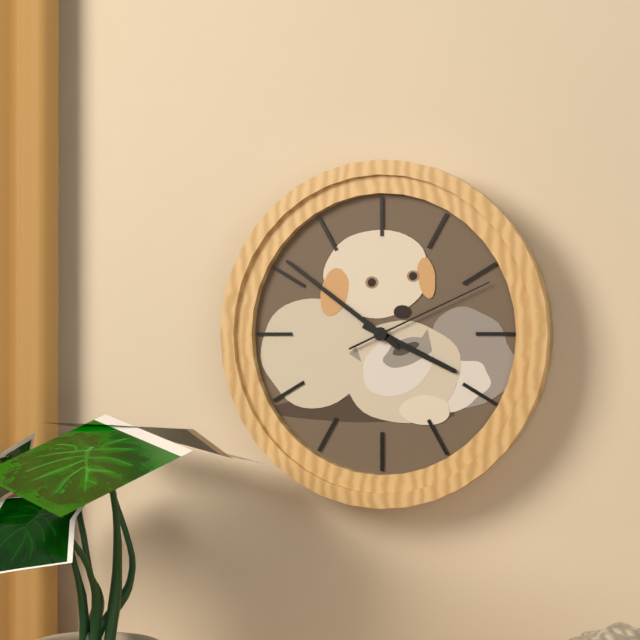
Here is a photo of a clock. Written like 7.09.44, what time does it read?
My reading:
3.51.11
